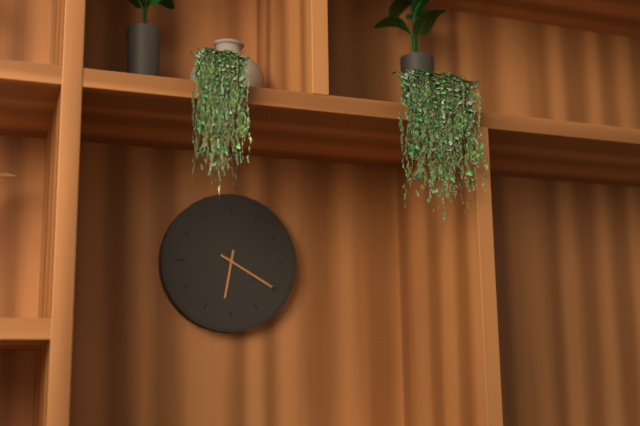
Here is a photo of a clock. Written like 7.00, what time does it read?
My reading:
6.20
